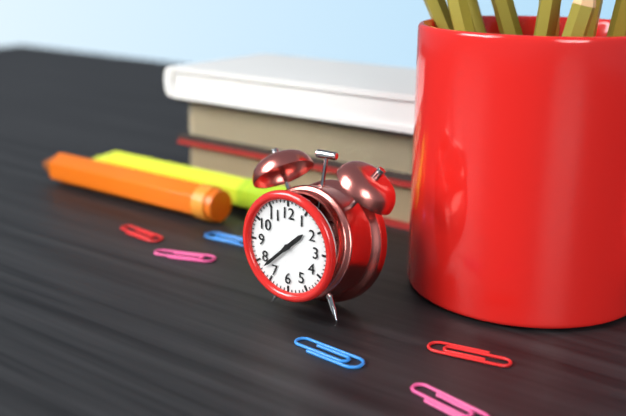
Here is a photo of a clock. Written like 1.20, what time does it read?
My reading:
1.38
